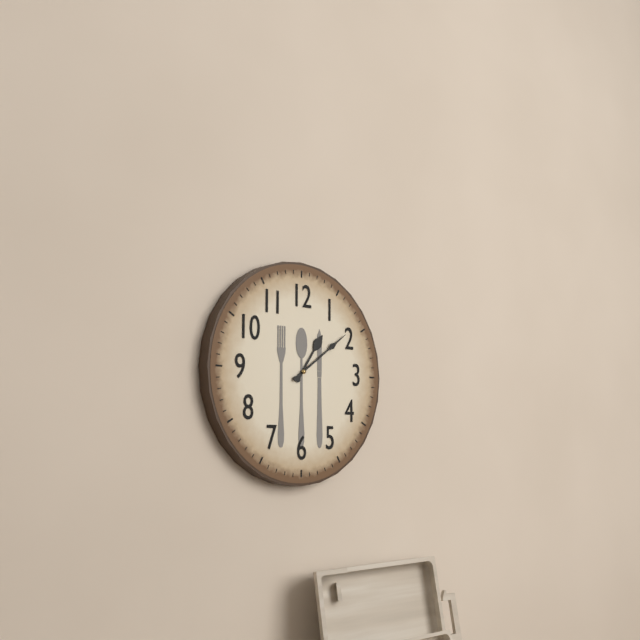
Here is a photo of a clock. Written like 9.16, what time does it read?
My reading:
1.09
